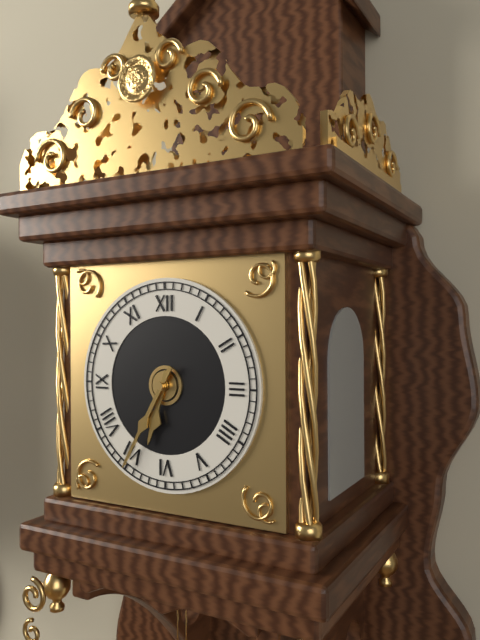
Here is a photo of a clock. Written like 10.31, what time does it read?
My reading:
6.35
